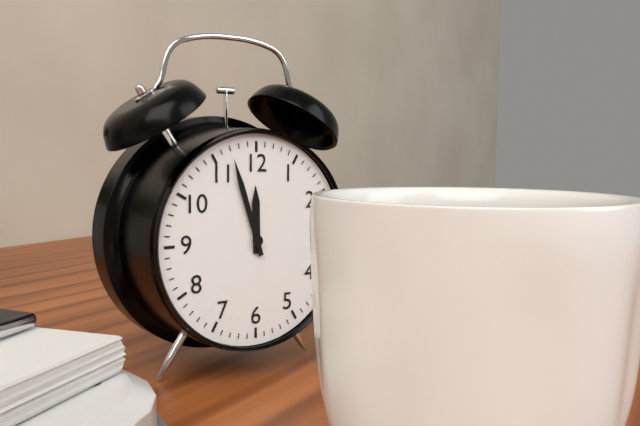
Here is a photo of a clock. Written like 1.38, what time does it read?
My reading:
11.57
